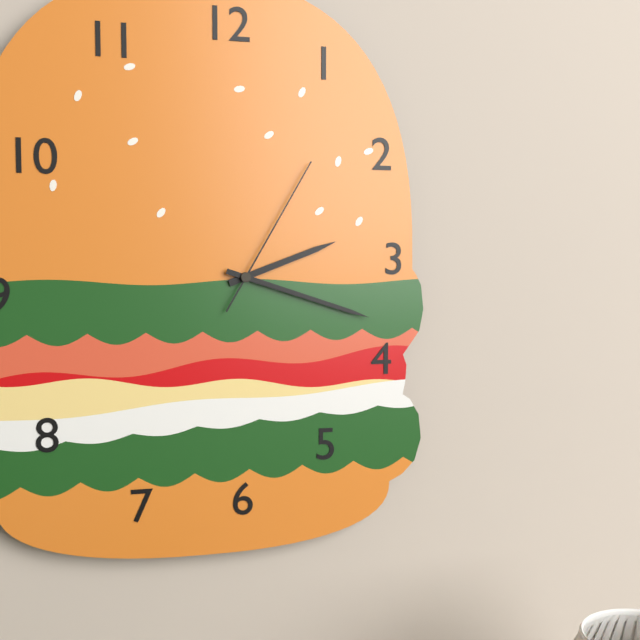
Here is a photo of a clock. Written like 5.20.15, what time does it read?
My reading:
2.18.05
